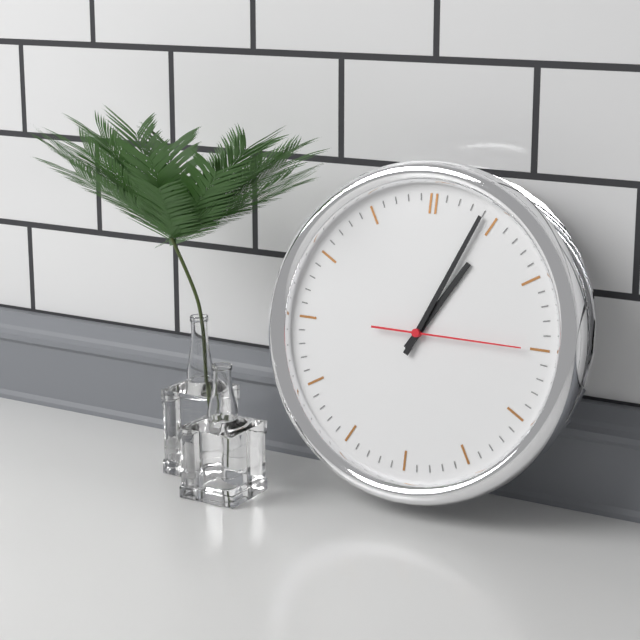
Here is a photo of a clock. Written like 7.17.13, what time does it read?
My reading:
1.04.15
